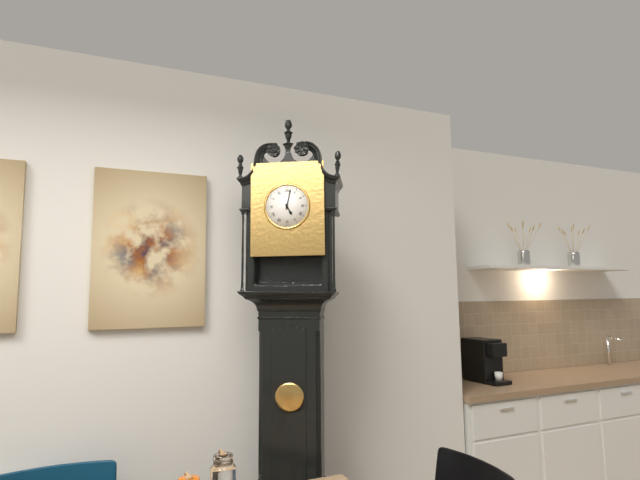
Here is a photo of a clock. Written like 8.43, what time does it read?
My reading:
5.02
